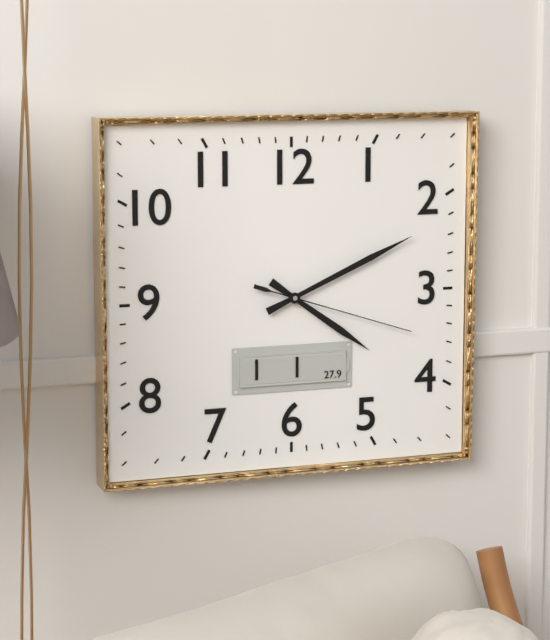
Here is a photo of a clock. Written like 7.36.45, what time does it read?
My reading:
4.11.18
